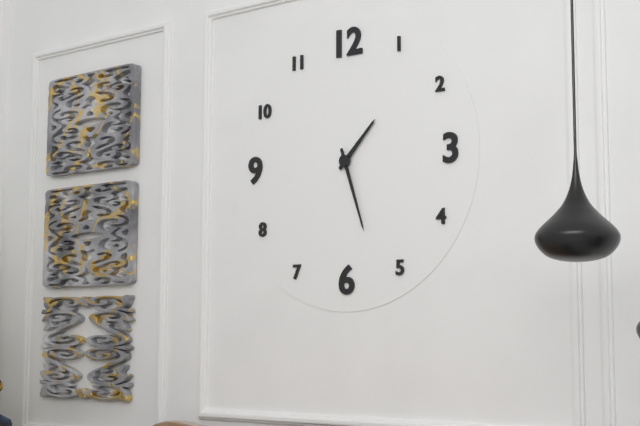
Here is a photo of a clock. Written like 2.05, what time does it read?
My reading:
1.27
